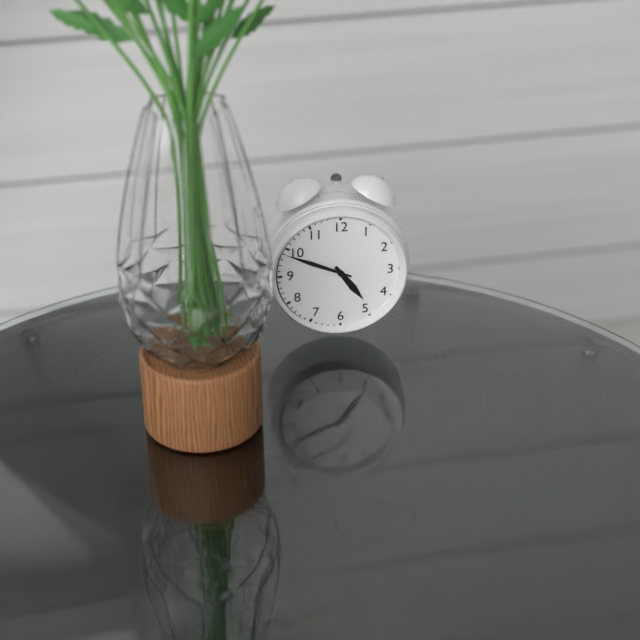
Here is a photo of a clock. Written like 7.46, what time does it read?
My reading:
4.49
